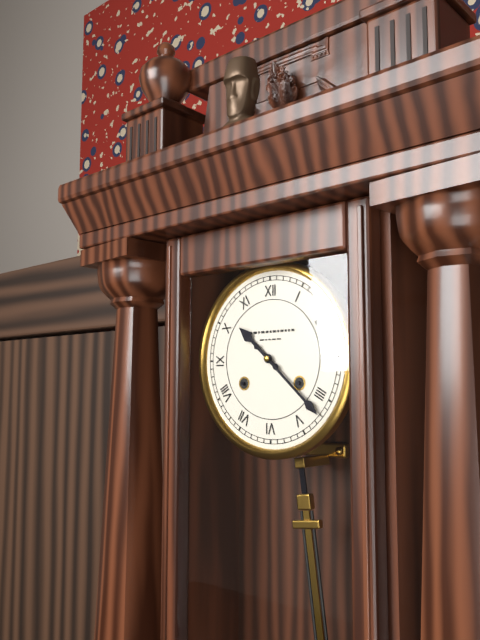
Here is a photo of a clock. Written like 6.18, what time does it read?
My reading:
10.22
